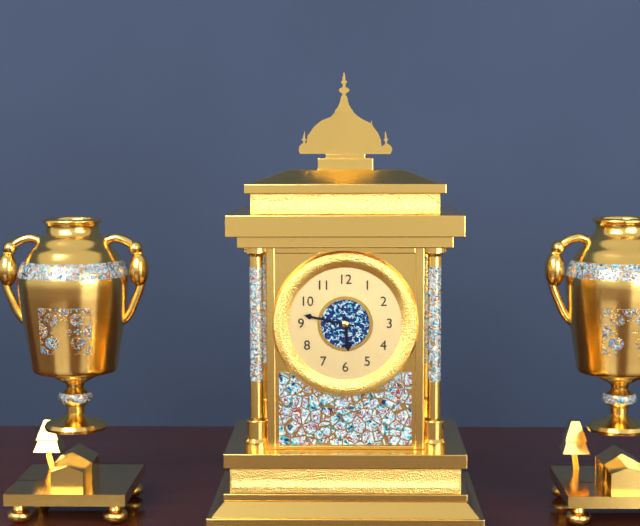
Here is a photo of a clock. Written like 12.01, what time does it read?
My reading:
5.47
